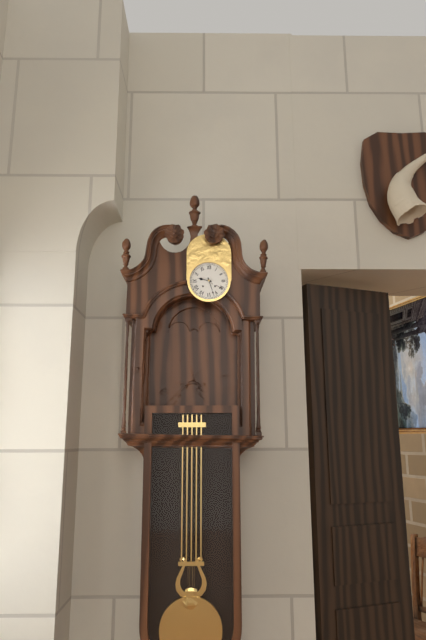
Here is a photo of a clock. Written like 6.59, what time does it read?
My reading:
9.27
